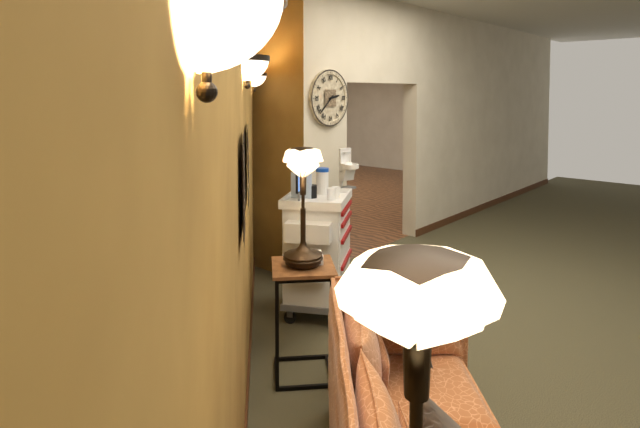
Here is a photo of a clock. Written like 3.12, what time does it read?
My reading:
2.38
